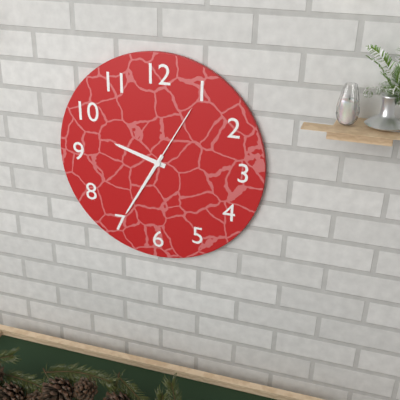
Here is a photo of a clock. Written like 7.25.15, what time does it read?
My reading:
9.35.05
